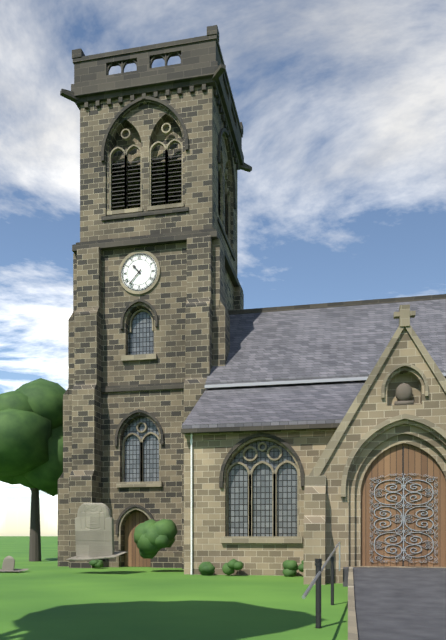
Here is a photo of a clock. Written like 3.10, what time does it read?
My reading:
10.37
